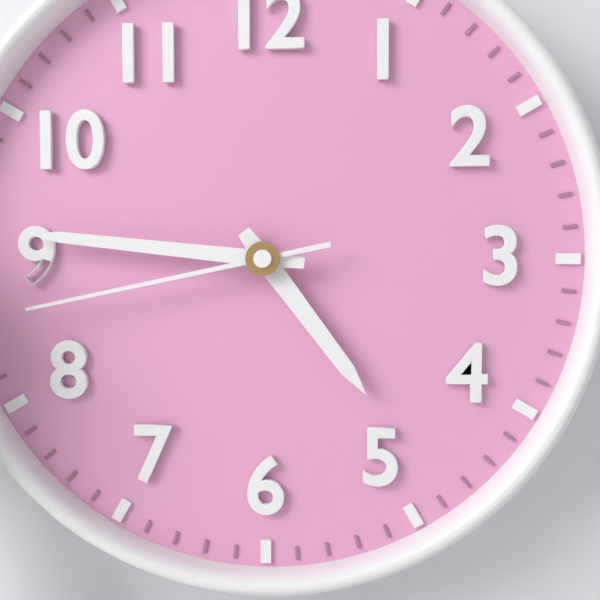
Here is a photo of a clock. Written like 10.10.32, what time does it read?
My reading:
4.46.43
